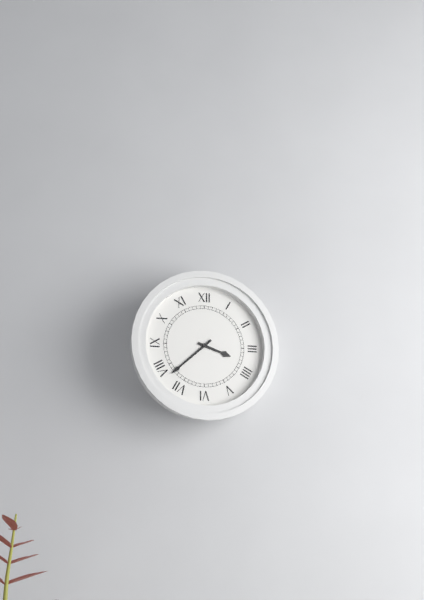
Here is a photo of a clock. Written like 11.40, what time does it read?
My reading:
3.38
